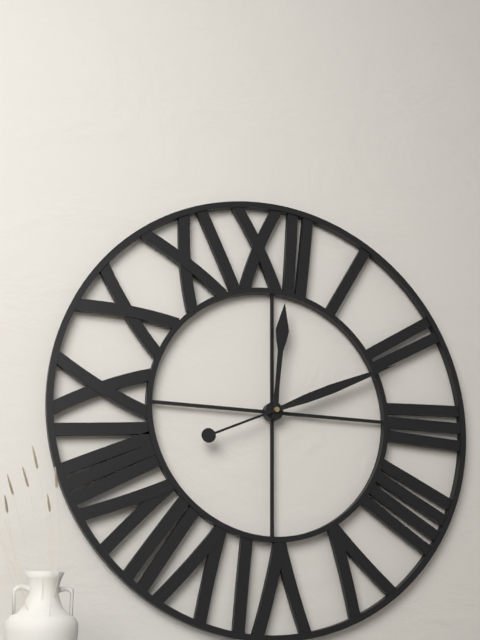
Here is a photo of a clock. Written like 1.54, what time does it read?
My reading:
12.11
